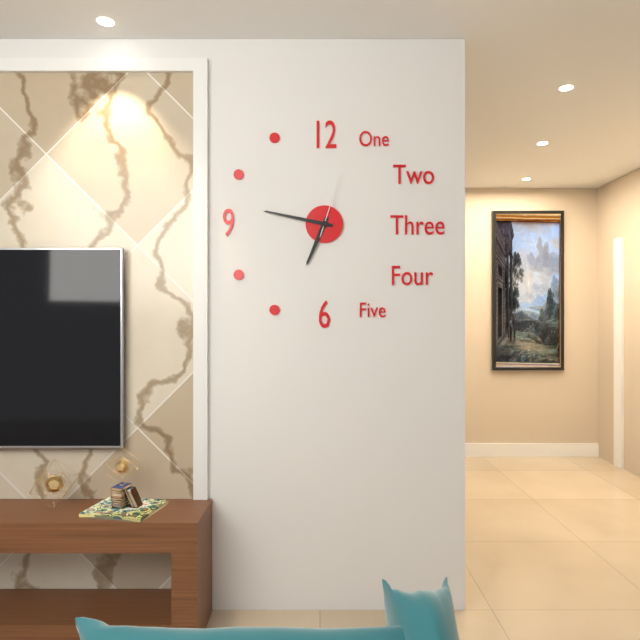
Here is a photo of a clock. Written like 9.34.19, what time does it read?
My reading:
6.47.03
